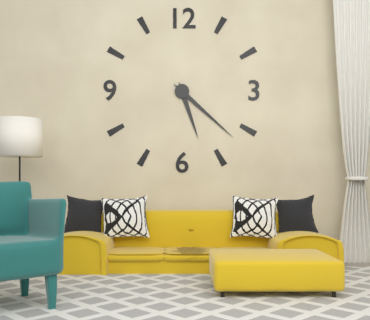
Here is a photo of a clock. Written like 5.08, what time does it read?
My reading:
5.22
